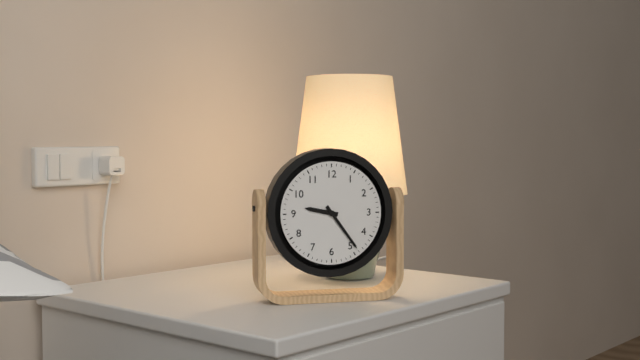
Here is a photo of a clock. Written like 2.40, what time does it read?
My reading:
9.24
